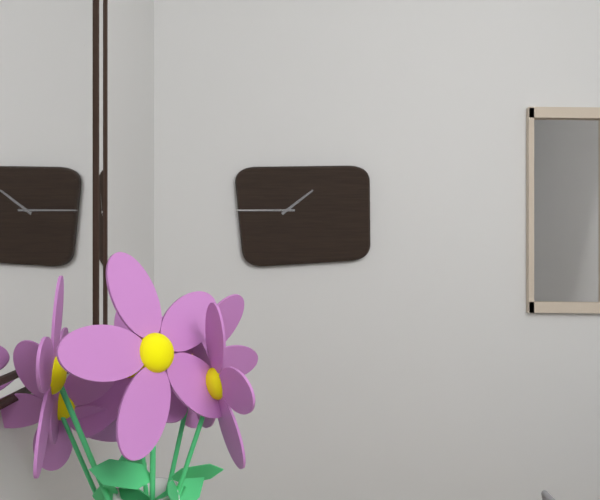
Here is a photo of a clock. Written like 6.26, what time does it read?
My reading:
1.45
